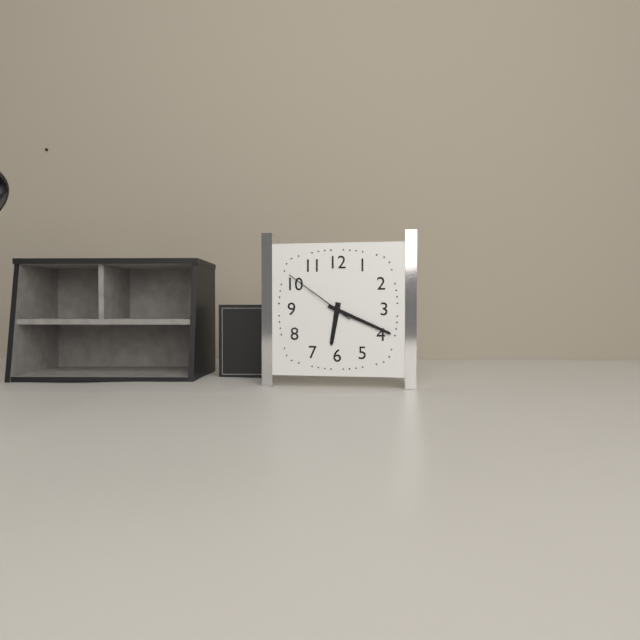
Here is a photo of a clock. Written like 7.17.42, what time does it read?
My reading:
6.19.51
